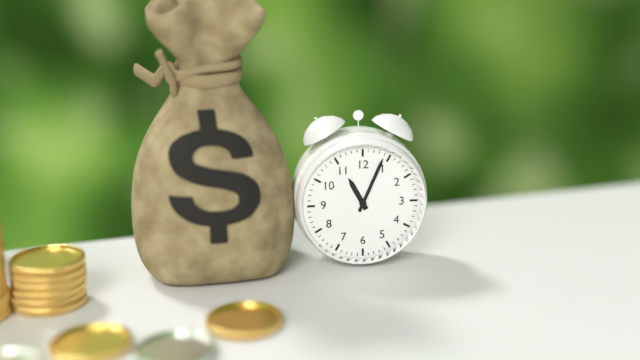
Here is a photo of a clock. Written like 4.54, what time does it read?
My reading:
11.04
